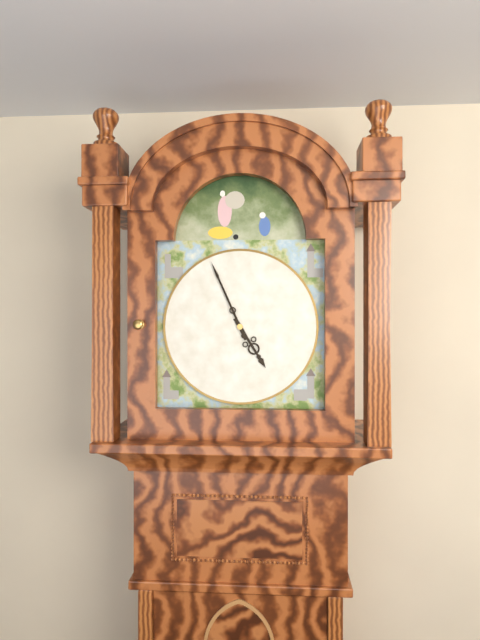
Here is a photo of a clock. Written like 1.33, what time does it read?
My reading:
4.56
